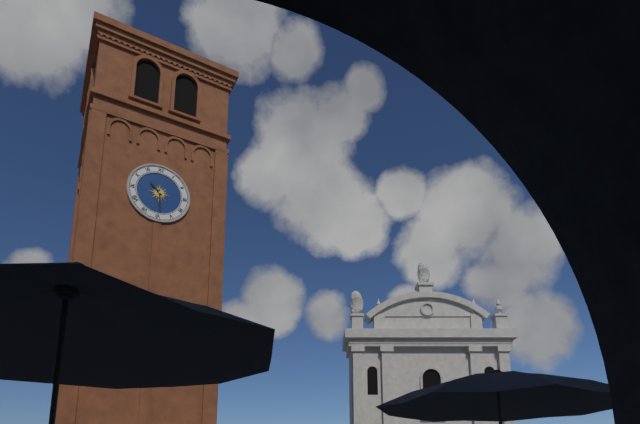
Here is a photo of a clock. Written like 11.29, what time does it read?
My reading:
10.29
